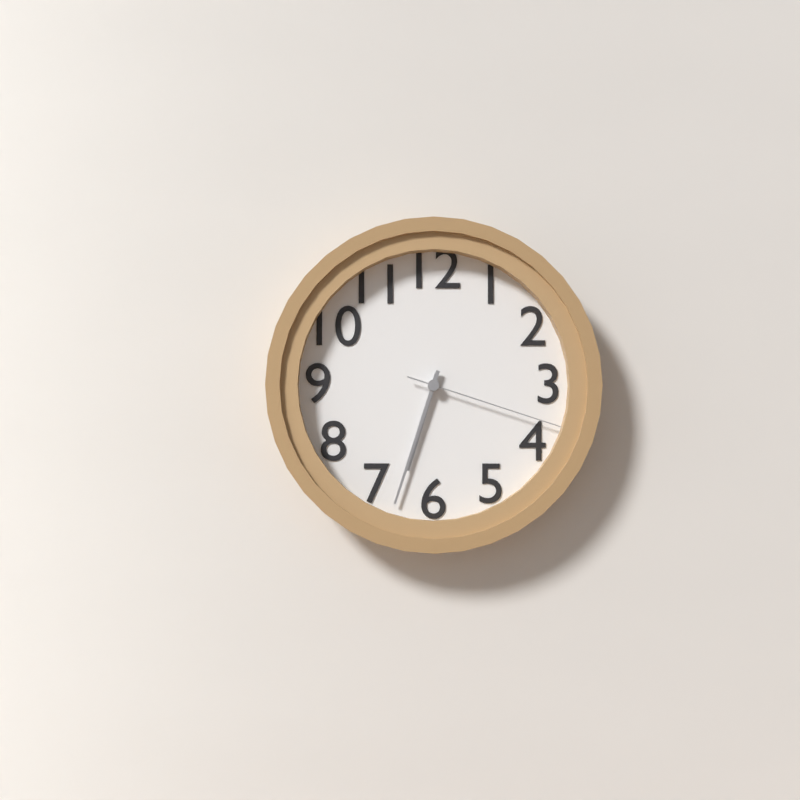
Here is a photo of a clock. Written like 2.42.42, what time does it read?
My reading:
6.33.18
